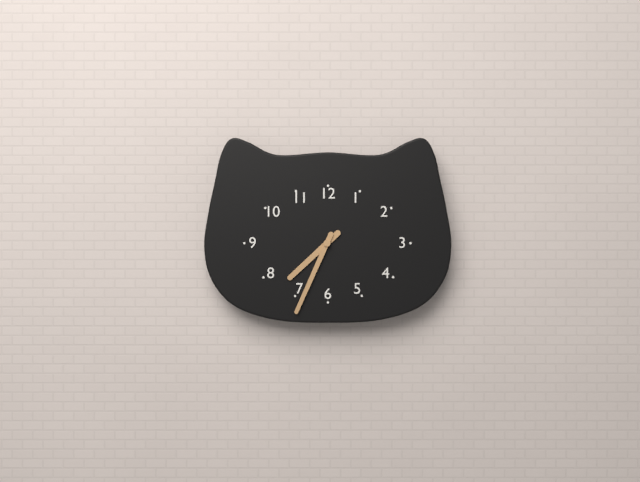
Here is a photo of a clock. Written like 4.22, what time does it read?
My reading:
7.34
